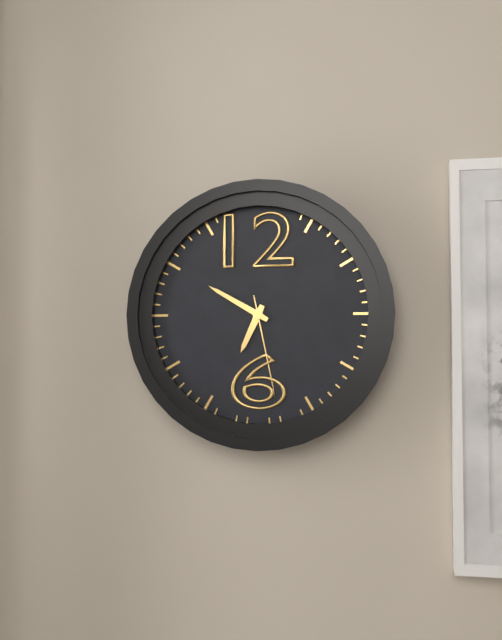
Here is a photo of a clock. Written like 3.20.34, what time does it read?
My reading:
6.50.28
